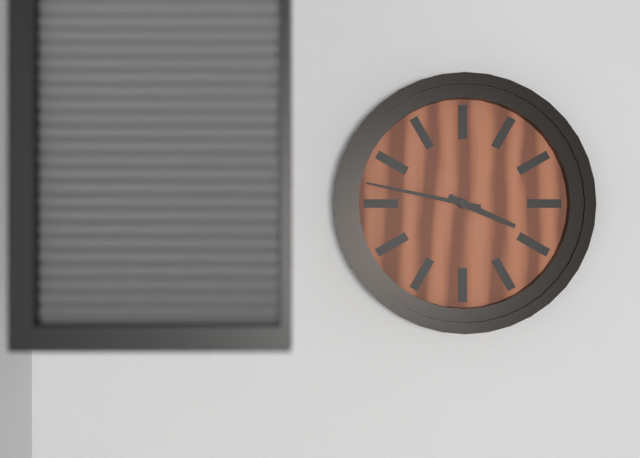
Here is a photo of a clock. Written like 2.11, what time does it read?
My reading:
3.47
